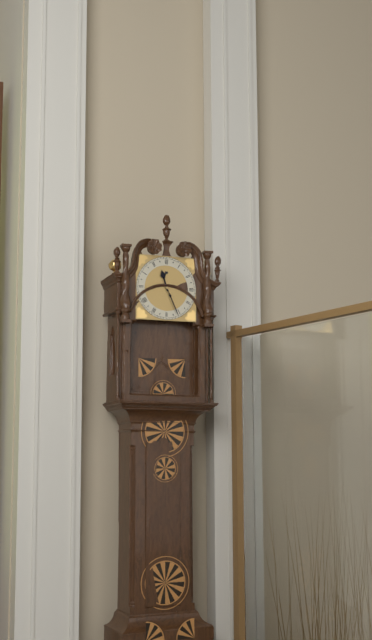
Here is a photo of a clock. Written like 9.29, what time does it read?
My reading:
11.26
